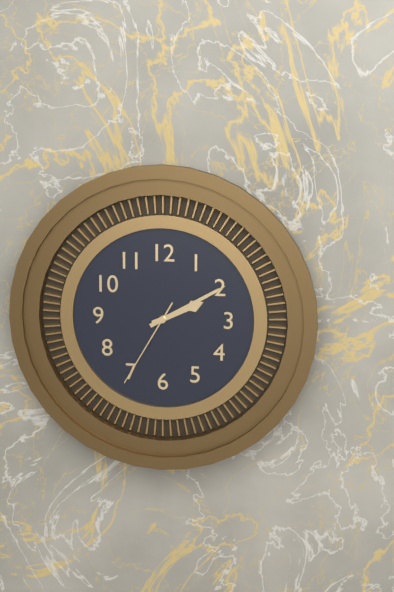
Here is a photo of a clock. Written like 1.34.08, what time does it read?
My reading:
2.10.35
